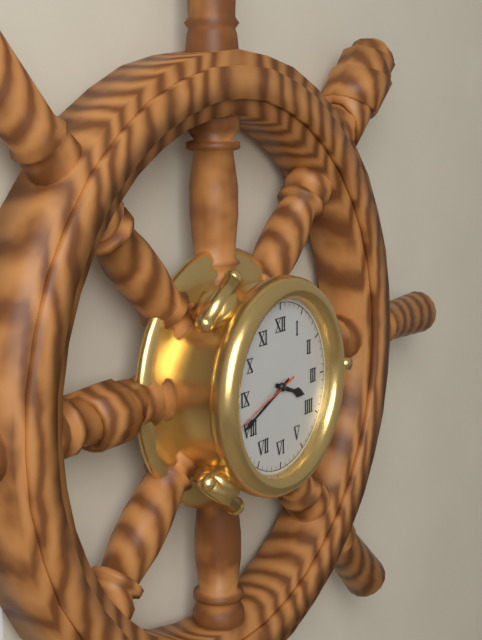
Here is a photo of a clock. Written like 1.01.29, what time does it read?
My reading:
3.41.42
